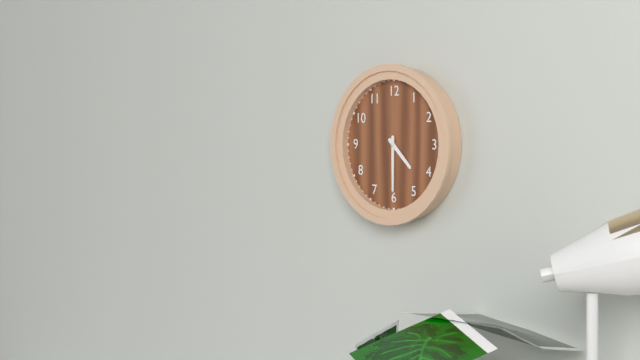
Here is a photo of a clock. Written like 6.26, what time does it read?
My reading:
4.30
